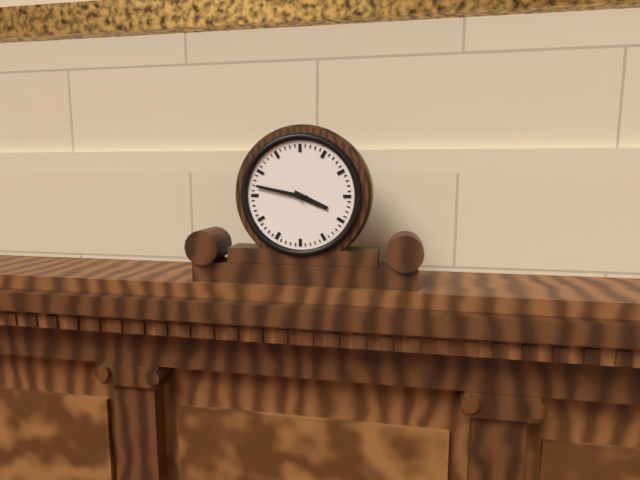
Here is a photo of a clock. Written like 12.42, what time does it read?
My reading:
3.47
